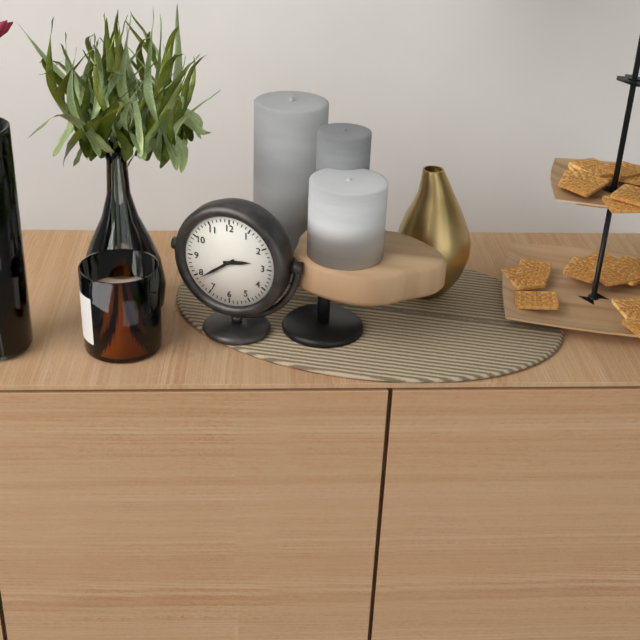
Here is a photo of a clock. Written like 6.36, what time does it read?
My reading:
2.39
